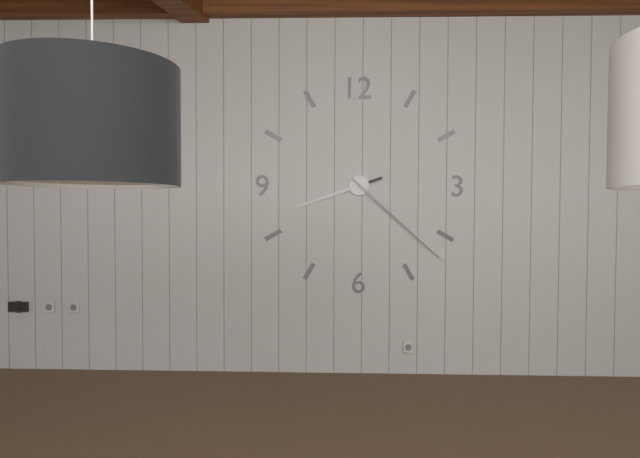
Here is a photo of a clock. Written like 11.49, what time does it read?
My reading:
8.22
